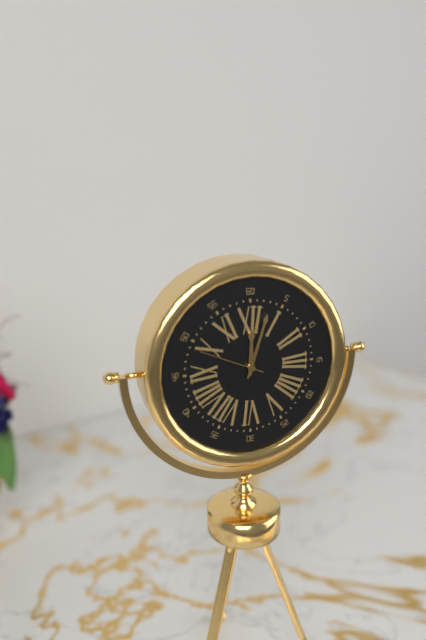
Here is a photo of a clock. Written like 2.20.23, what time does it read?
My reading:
12.03.49
